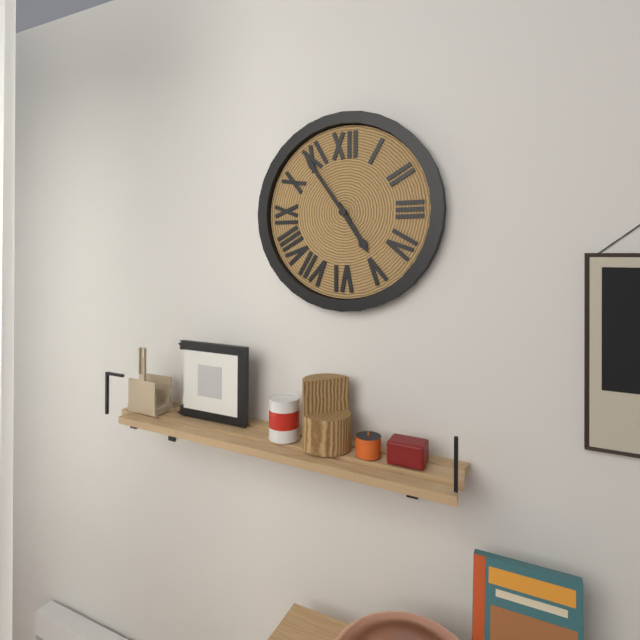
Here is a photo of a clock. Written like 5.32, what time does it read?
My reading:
4.54
